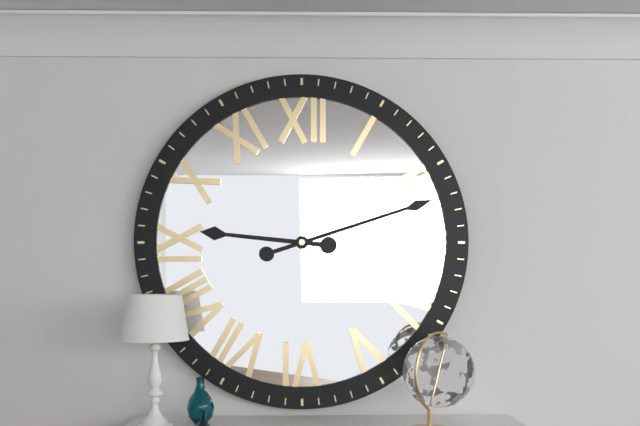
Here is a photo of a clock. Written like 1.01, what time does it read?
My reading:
9.12
